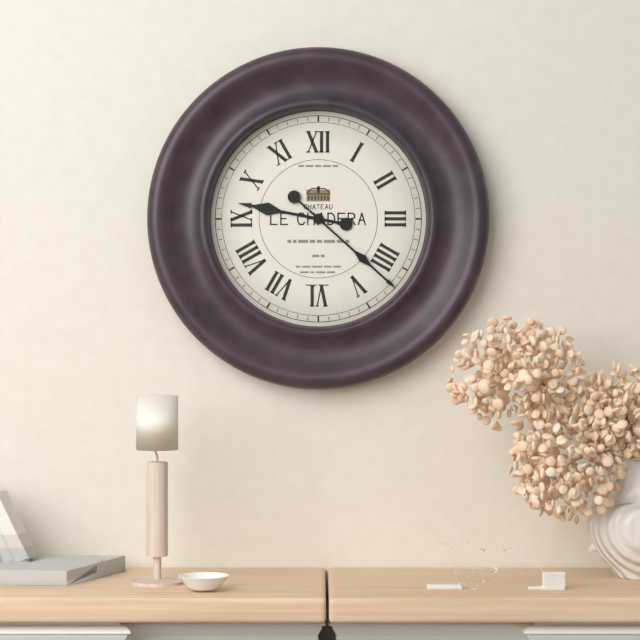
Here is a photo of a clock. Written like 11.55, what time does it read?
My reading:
9.22
